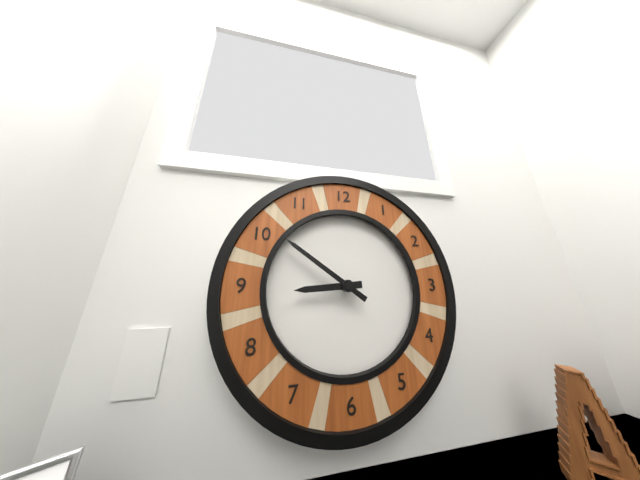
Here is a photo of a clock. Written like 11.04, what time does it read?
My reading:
8.51
